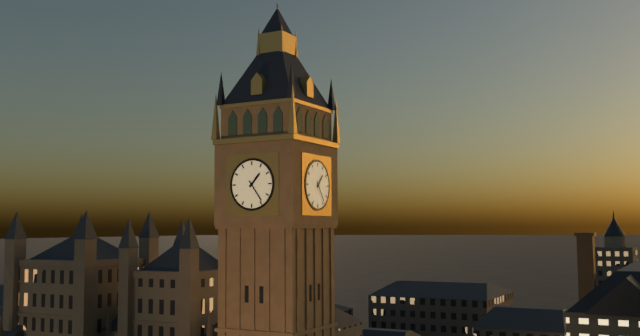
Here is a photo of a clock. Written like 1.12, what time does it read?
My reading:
1.24
